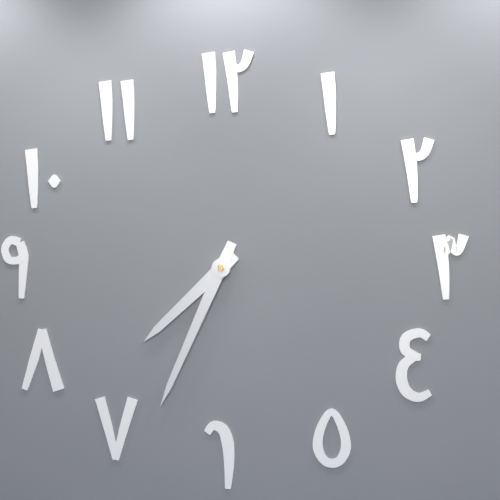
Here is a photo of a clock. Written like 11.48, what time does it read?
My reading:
7.34
